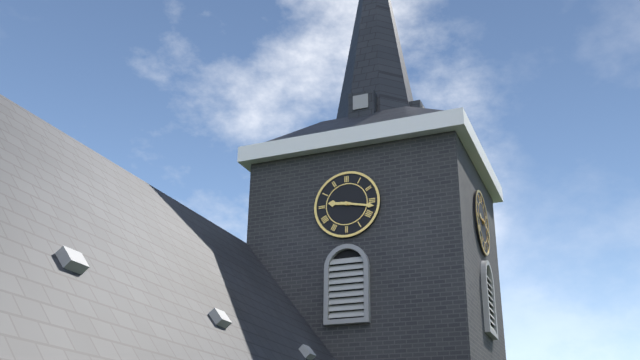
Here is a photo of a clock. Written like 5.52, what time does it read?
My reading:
9.17
